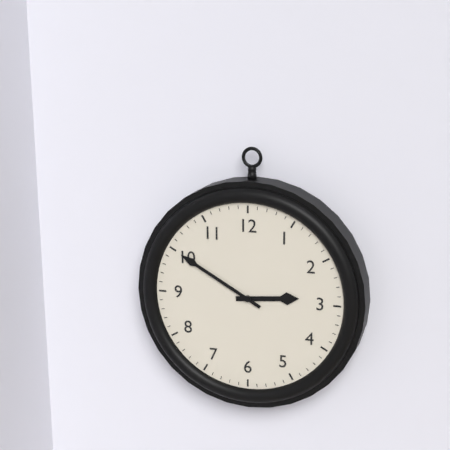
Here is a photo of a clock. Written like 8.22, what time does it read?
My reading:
2.50
